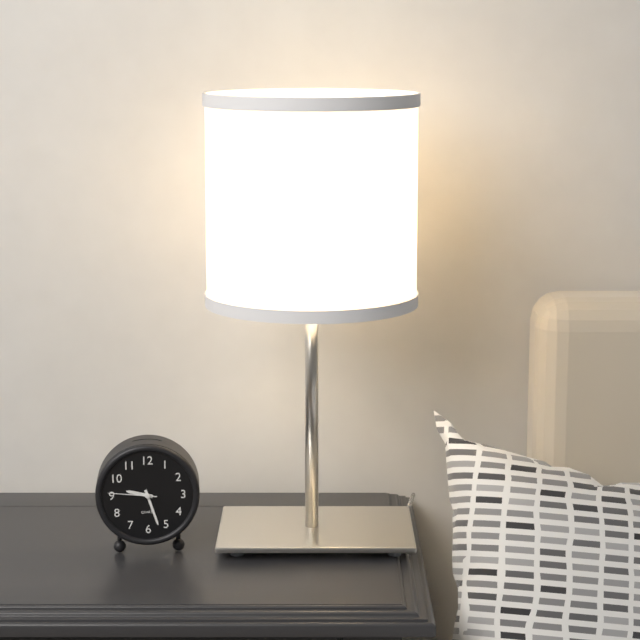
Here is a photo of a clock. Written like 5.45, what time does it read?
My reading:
9.27
